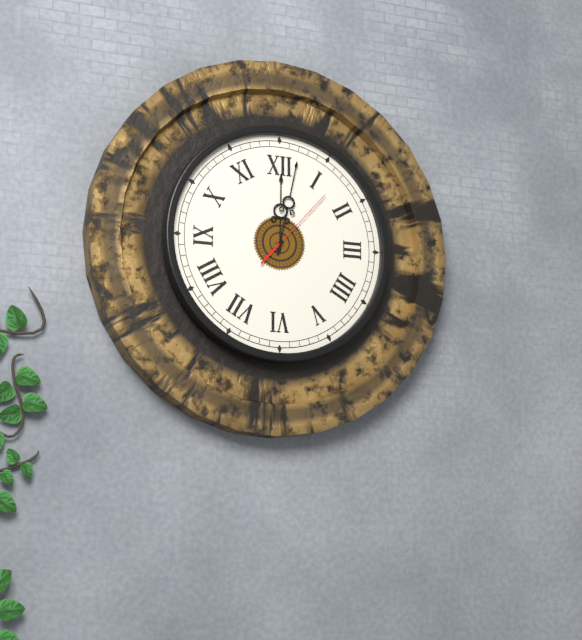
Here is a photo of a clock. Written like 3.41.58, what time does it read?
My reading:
12.02.07
